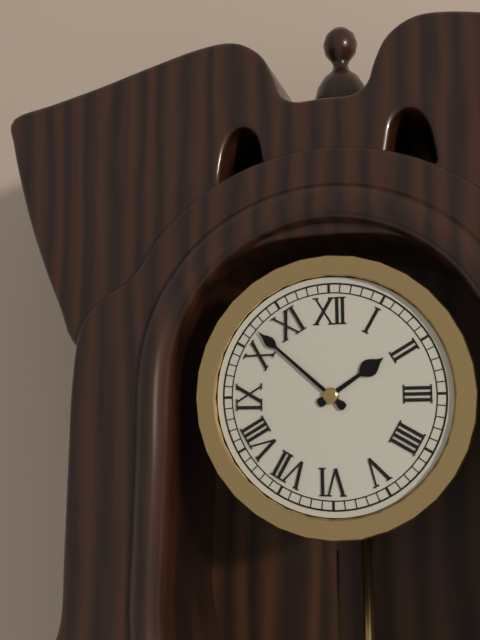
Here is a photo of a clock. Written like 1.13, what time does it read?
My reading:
1.52
